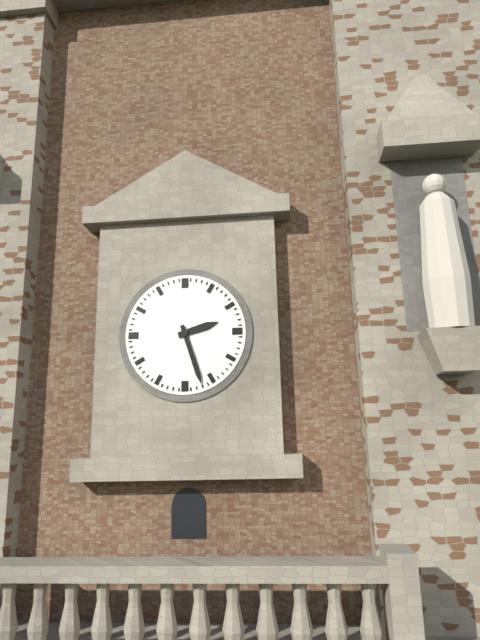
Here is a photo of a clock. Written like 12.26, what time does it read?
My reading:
2.27
